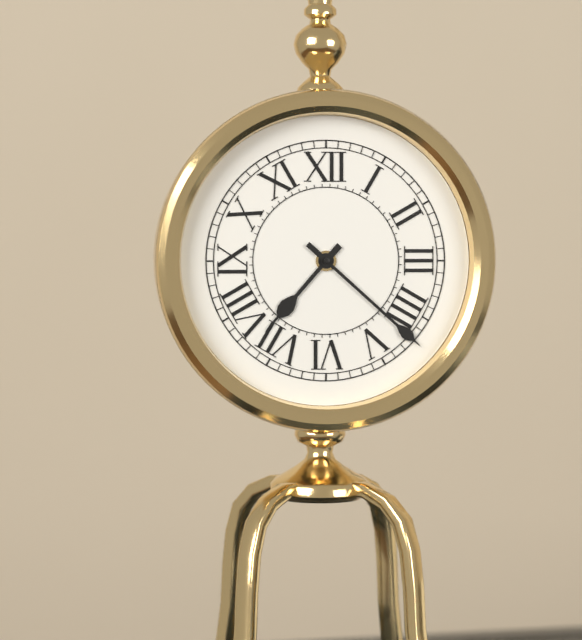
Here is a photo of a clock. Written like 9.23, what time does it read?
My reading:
7.22
